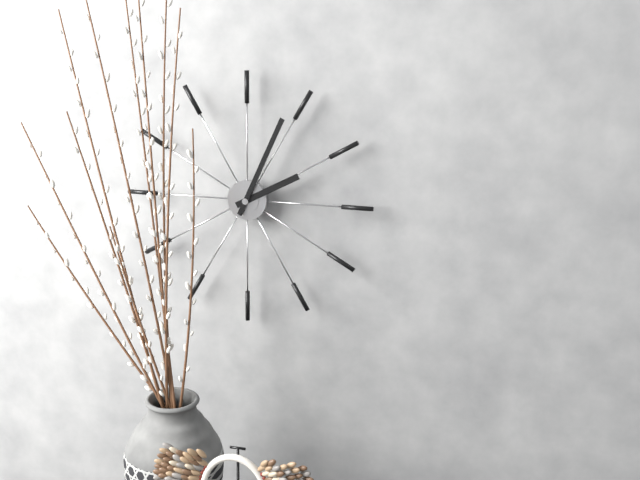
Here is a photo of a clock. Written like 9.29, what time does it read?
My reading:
2.04
